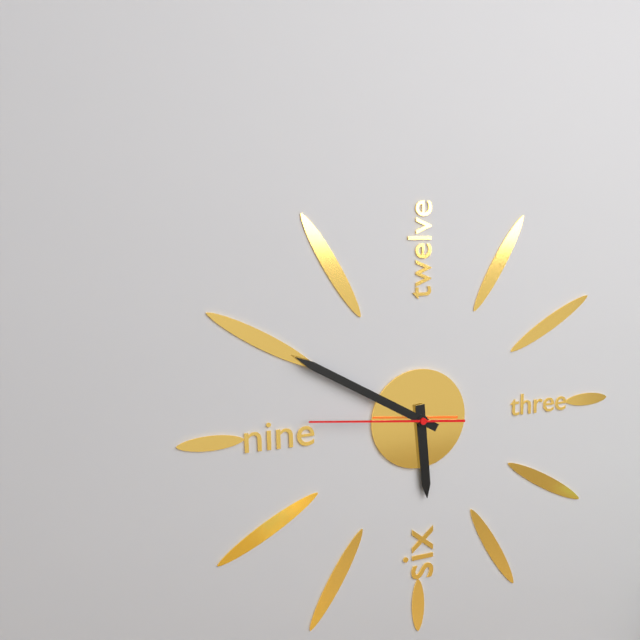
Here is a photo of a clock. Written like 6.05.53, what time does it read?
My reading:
5.50.46
